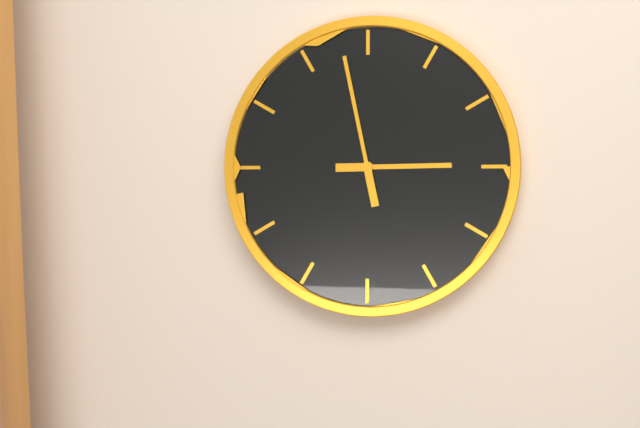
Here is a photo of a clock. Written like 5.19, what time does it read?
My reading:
2.58
